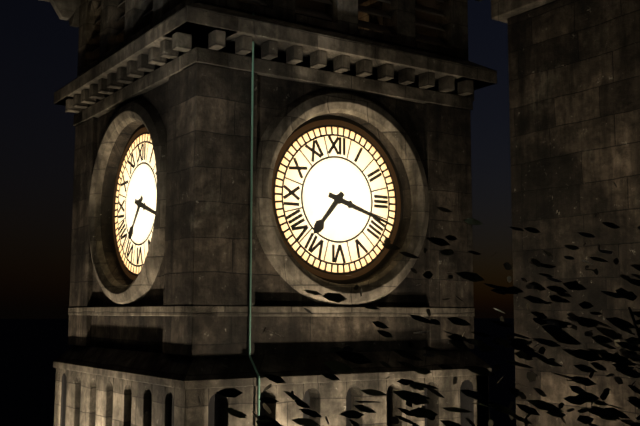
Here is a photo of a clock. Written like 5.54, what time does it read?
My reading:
7.18
